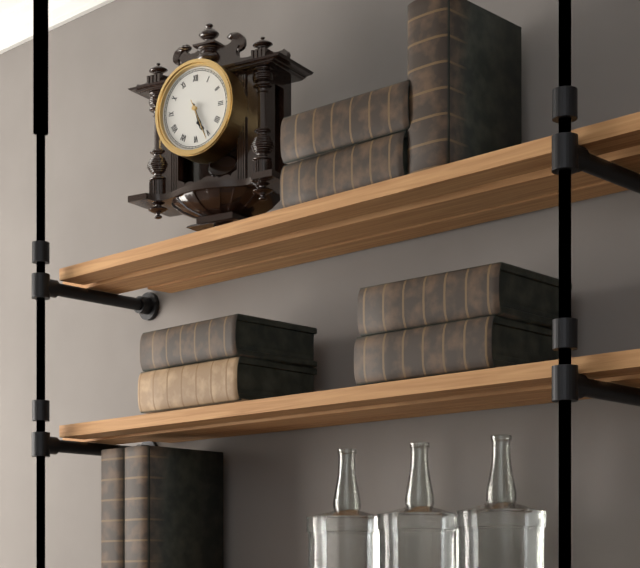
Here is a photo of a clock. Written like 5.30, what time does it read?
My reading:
5.26
